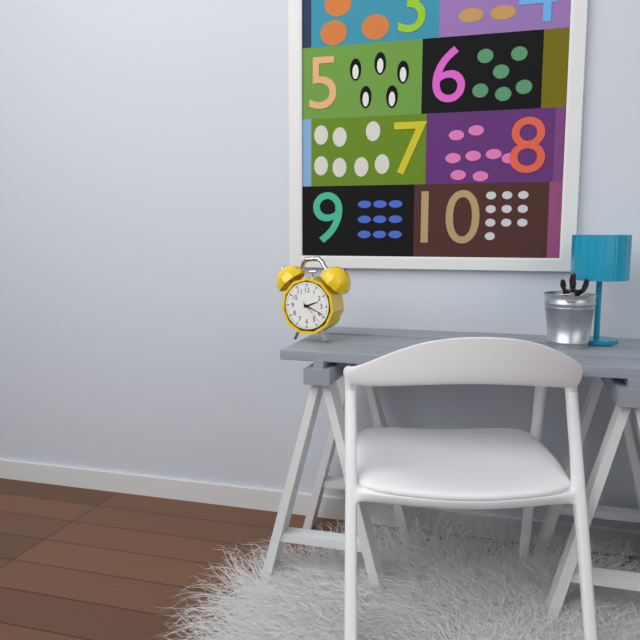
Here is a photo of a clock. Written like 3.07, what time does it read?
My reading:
2.19
